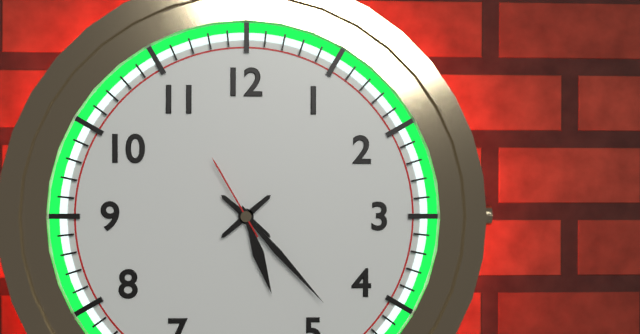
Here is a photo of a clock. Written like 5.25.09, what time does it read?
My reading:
5.23.55
